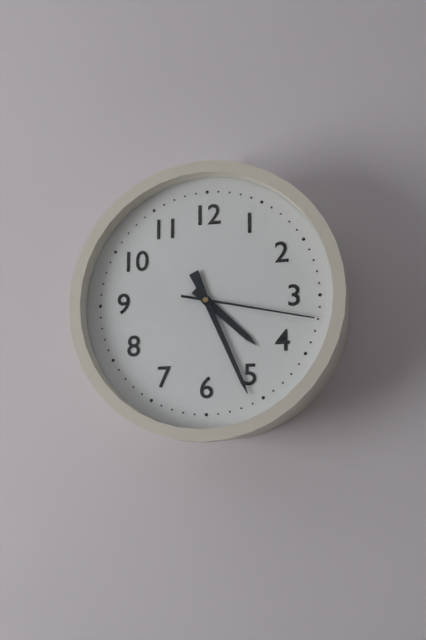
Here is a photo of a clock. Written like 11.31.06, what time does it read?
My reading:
4.26.17
